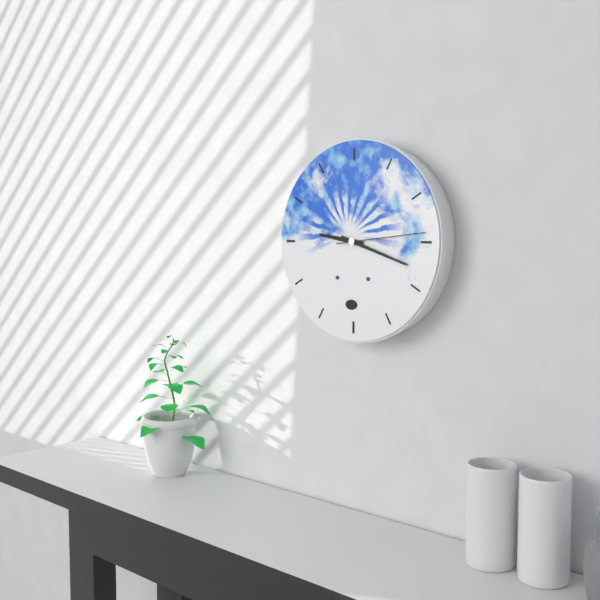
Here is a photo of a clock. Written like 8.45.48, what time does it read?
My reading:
9.18.14
